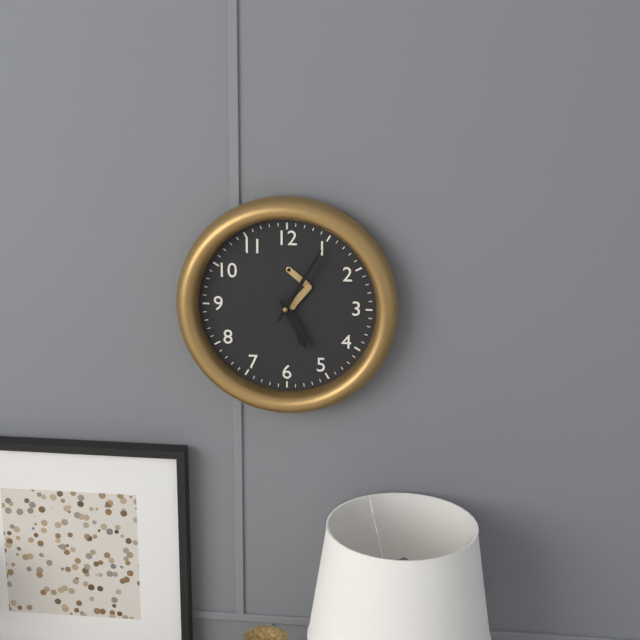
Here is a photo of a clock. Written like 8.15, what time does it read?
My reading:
5.05
